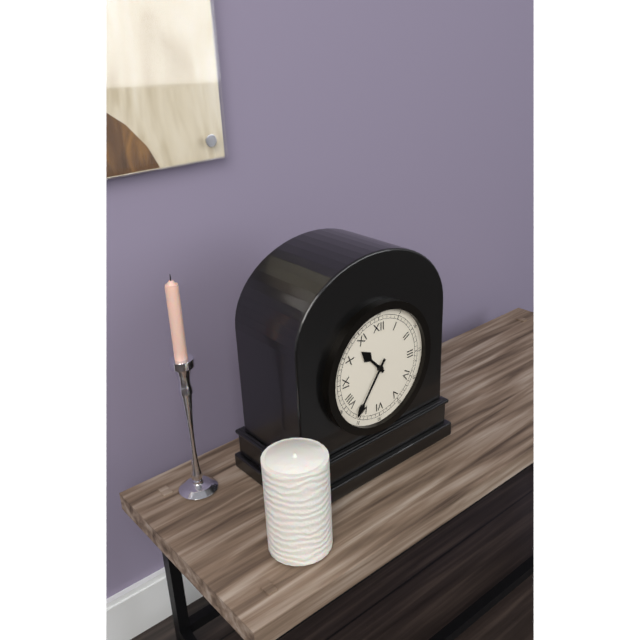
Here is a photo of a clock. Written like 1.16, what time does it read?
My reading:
10.36
